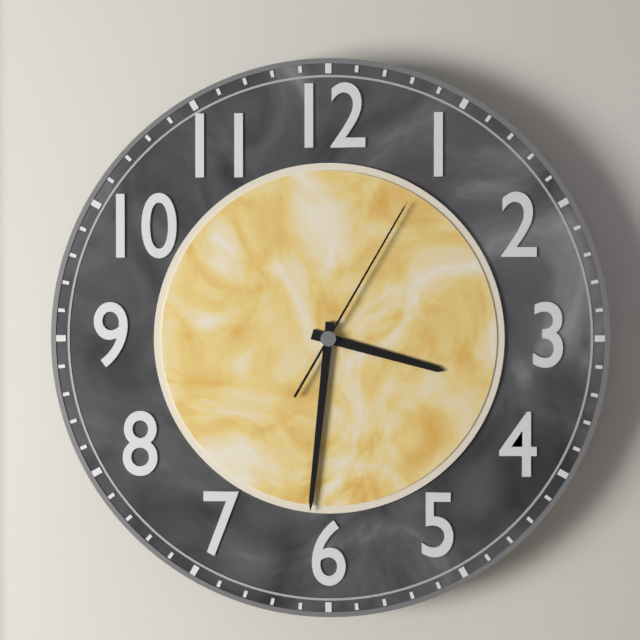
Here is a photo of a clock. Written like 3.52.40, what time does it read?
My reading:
3.31.05
